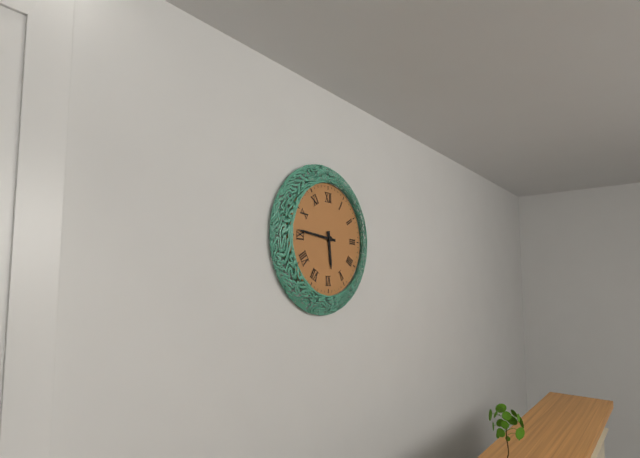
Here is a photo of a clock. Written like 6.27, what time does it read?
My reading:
5.46
